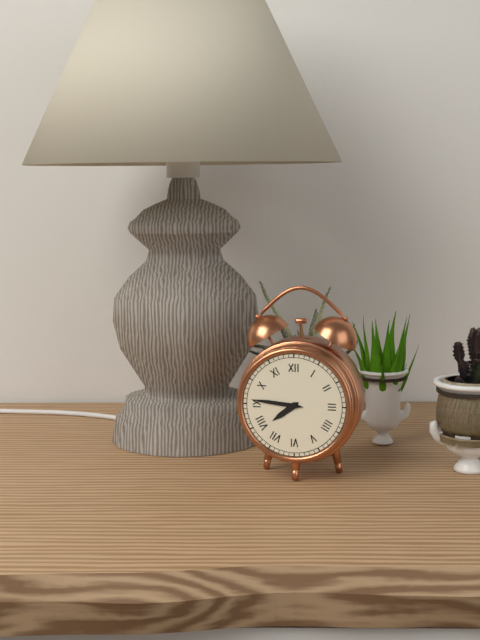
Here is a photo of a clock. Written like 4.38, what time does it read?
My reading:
7.46
